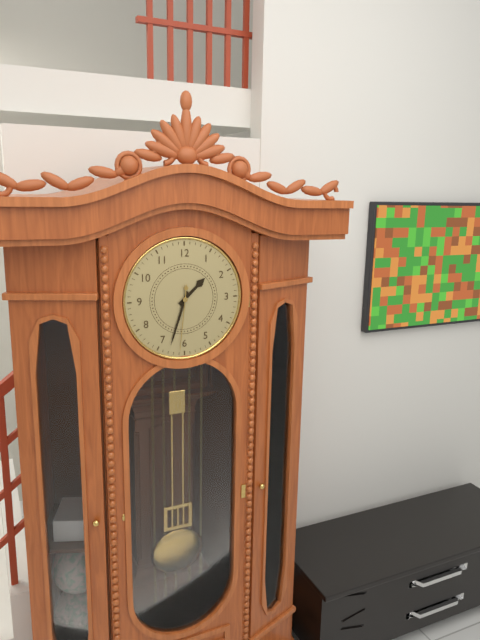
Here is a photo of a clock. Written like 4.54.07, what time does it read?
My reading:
1.33.31
